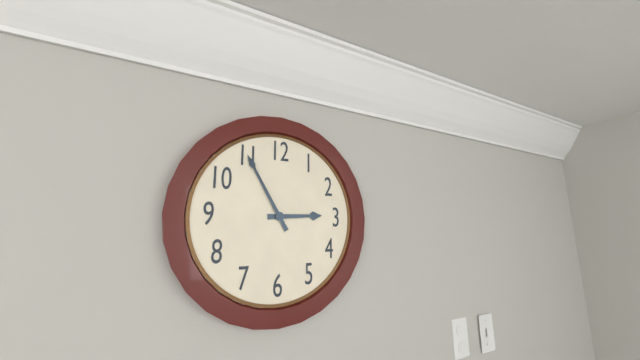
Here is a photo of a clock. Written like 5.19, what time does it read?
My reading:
2.55
